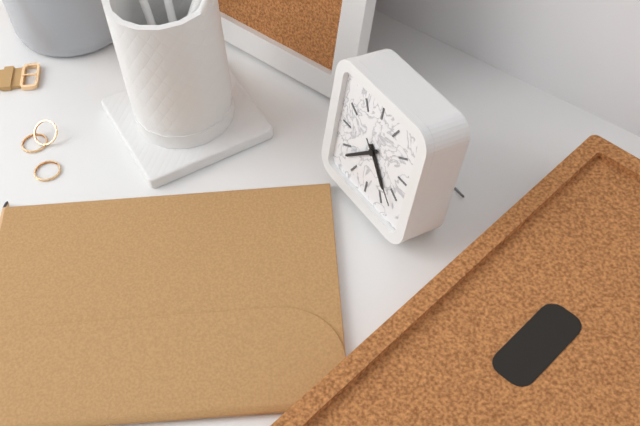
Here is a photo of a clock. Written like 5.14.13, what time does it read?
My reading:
4.38.22
